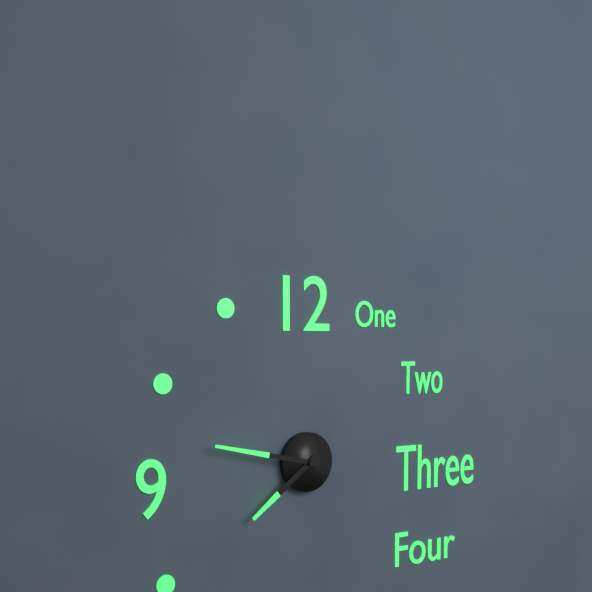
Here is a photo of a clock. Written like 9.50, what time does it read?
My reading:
7.47
